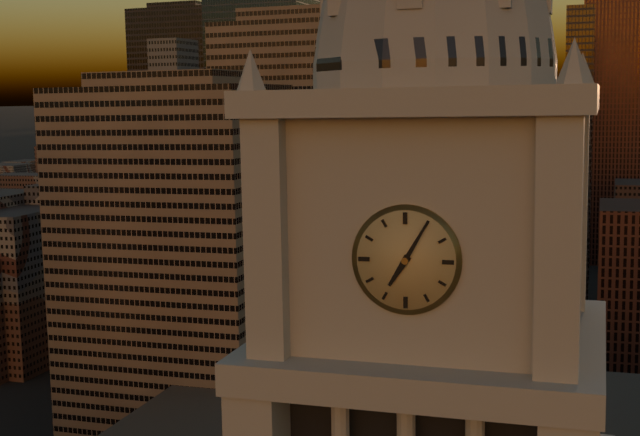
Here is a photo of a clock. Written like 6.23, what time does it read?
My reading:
7.05
